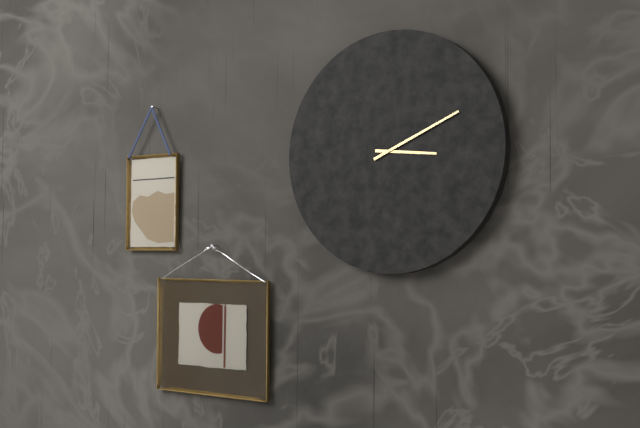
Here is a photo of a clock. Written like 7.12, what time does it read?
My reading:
3.11
